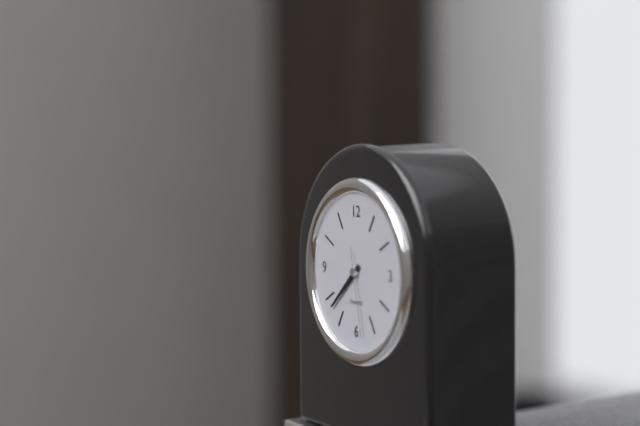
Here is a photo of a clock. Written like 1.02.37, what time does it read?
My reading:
7.38.28
